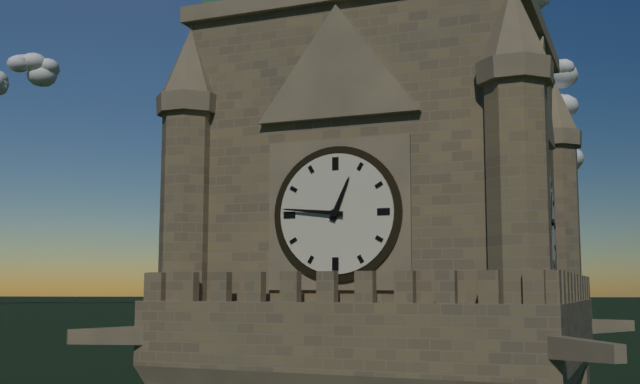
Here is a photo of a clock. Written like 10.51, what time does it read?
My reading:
12.46
